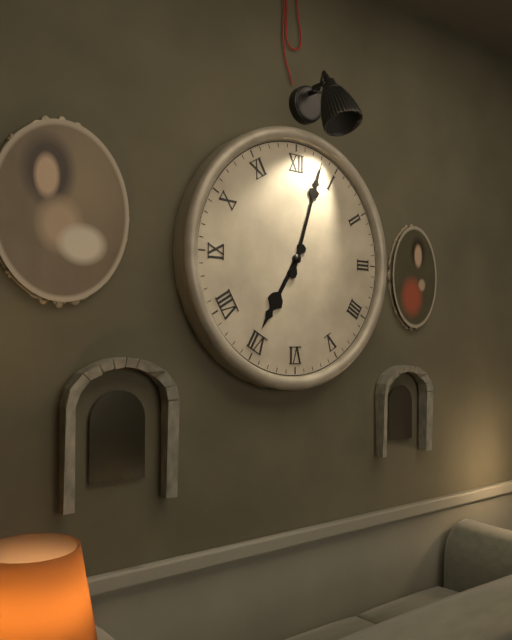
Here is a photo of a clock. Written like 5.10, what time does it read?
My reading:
7.03
